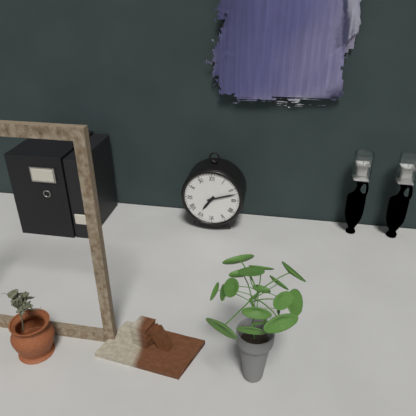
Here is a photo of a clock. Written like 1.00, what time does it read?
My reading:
7.12
